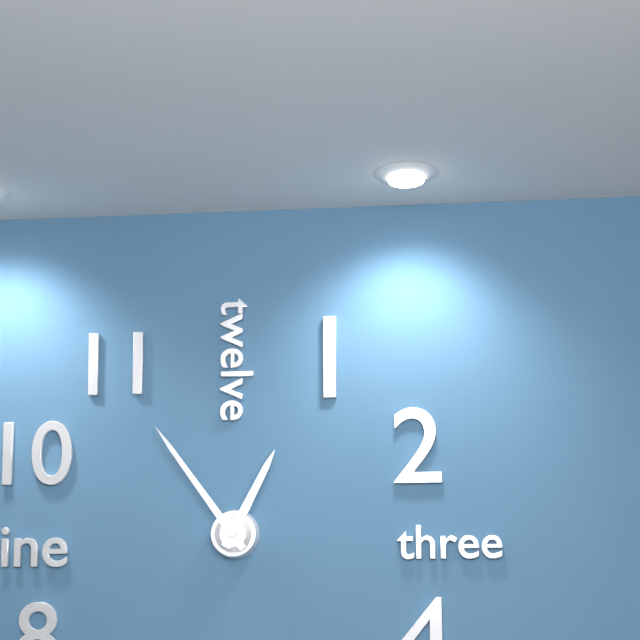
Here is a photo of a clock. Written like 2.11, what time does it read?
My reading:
12.54
